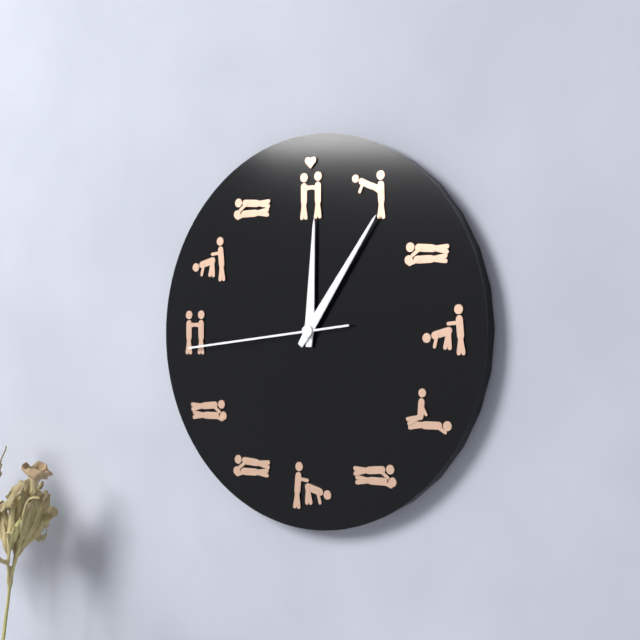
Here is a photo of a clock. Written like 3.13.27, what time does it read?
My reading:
12.06.44
